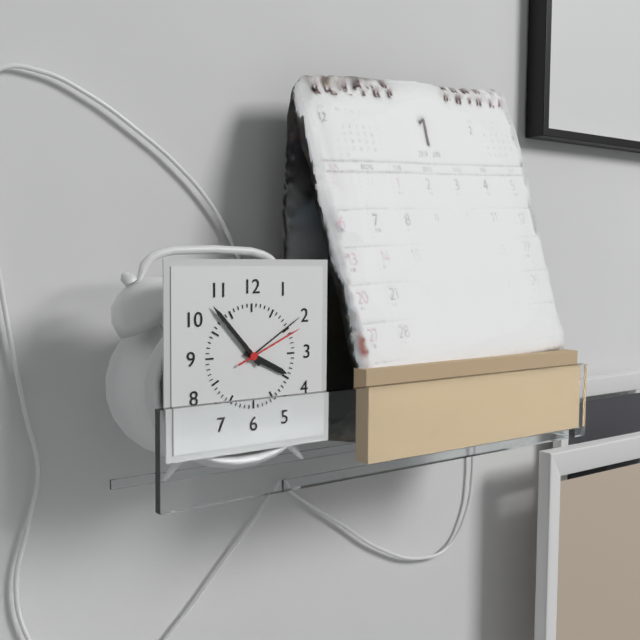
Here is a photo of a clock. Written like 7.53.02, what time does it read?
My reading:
3.53.11
